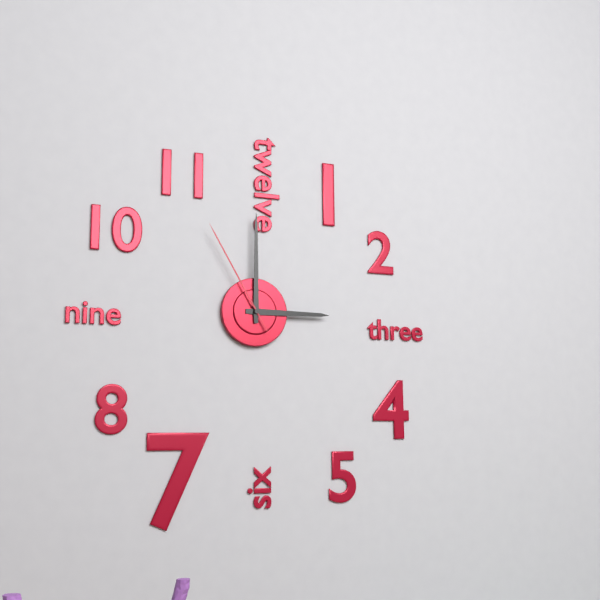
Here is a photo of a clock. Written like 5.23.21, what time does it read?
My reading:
3.00.55
